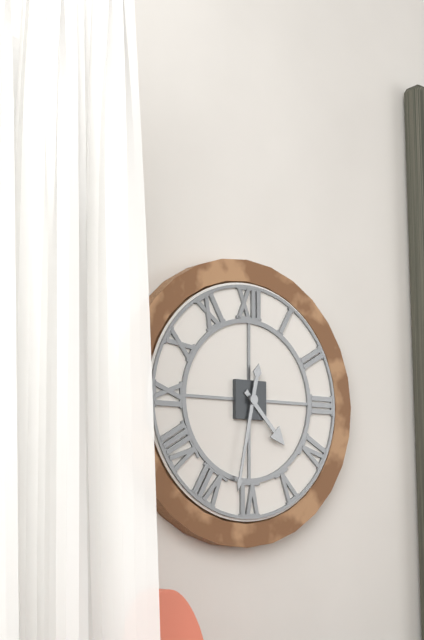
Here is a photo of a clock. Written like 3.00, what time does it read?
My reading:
4.32
